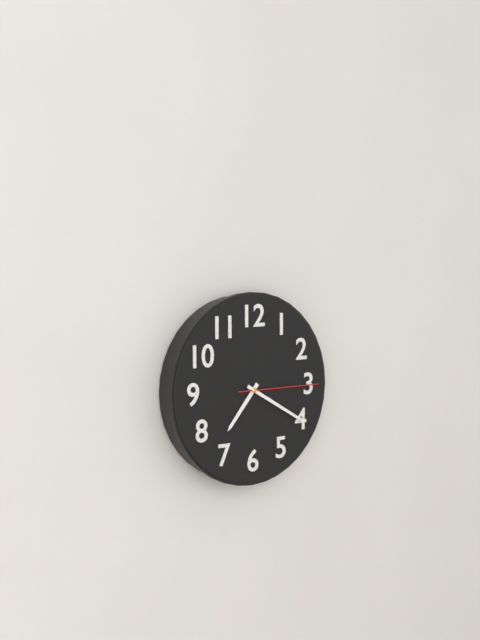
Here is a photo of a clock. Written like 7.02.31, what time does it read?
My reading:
7.20.15
